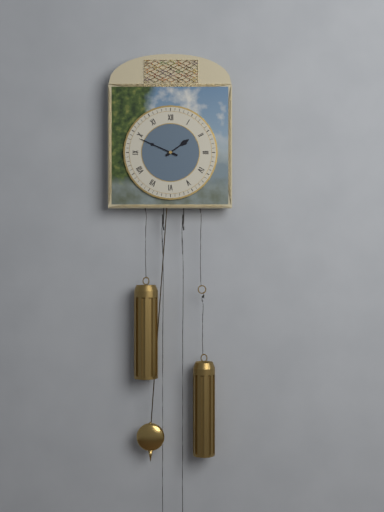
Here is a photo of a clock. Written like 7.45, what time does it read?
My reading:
1.49
